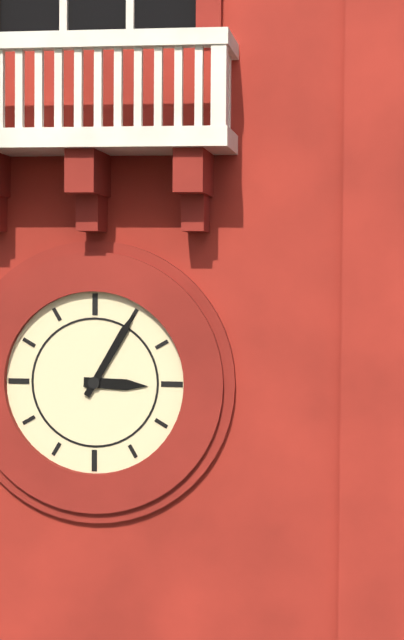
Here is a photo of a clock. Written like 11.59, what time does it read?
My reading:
3.05
